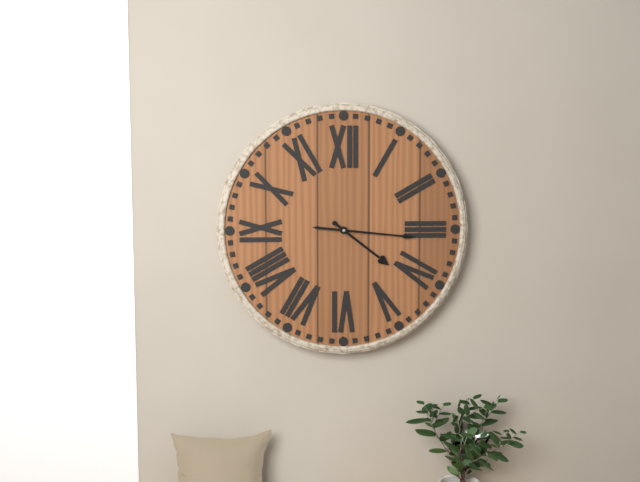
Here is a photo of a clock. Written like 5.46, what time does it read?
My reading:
4.16
